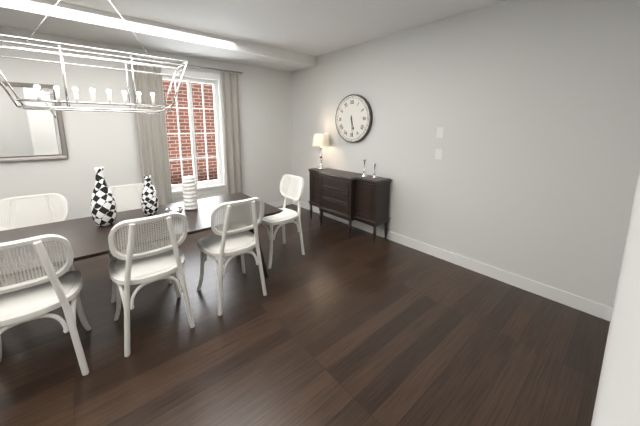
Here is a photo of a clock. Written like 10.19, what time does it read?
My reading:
5.29
